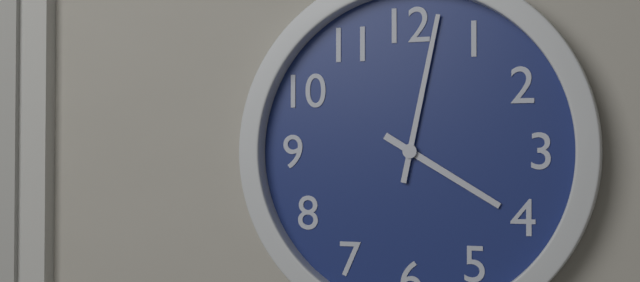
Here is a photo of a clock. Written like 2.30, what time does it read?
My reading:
4.02
